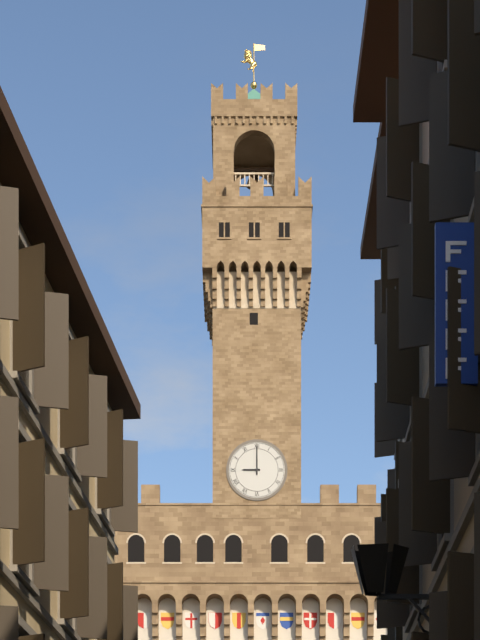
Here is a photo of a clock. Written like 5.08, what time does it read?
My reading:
9.00
